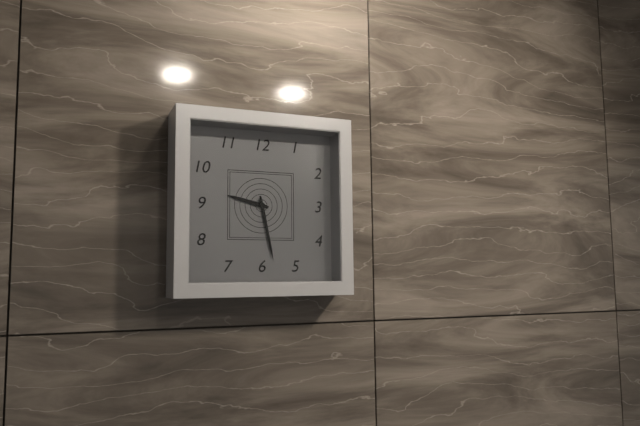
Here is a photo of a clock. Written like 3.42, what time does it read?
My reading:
9.28
